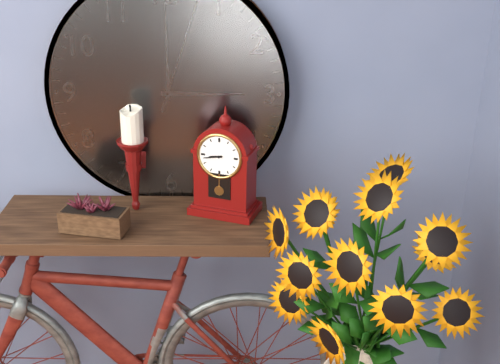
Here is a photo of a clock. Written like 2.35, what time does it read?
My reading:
8.43
